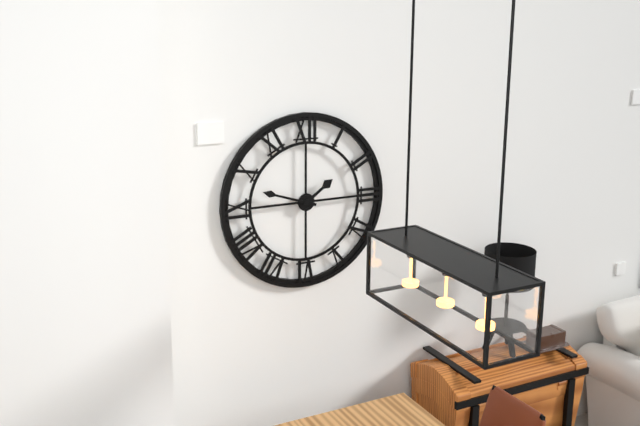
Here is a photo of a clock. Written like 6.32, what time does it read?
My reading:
1.48
